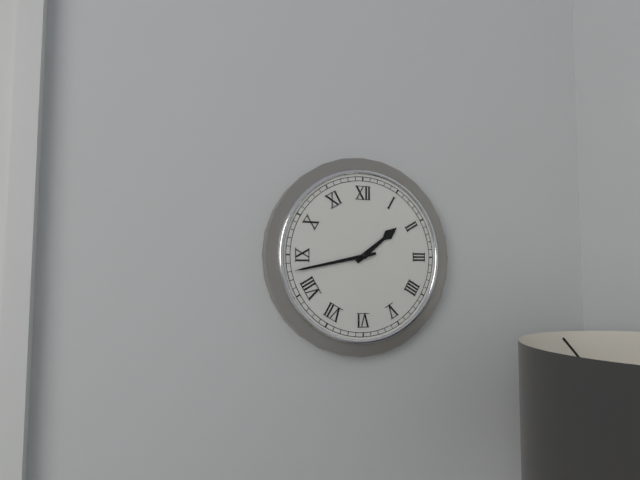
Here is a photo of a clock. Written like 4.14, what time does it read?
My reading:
1.43
